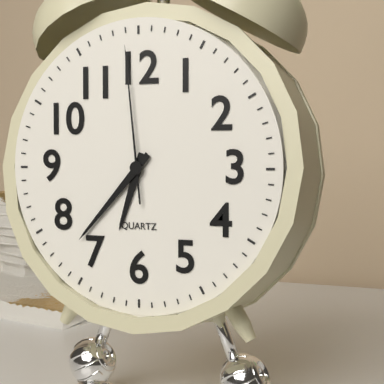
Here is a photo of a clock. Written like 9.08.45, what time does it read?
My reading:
6.37.59
